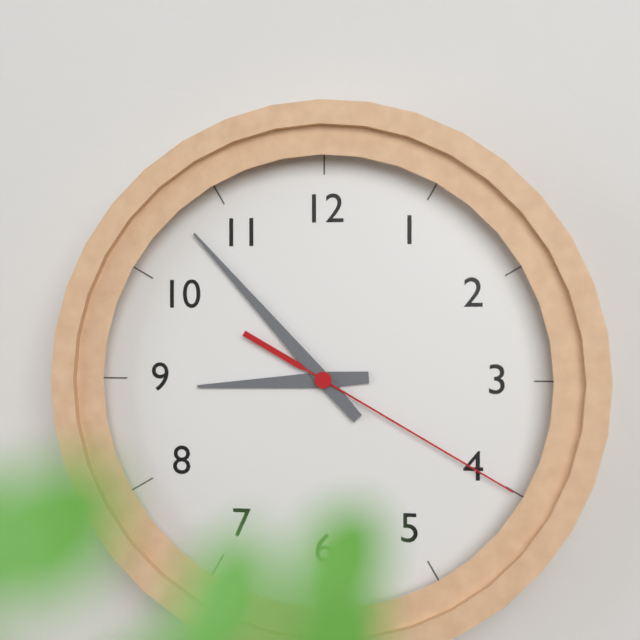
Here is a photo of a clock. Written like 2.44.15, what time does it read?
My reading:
8.53.20
